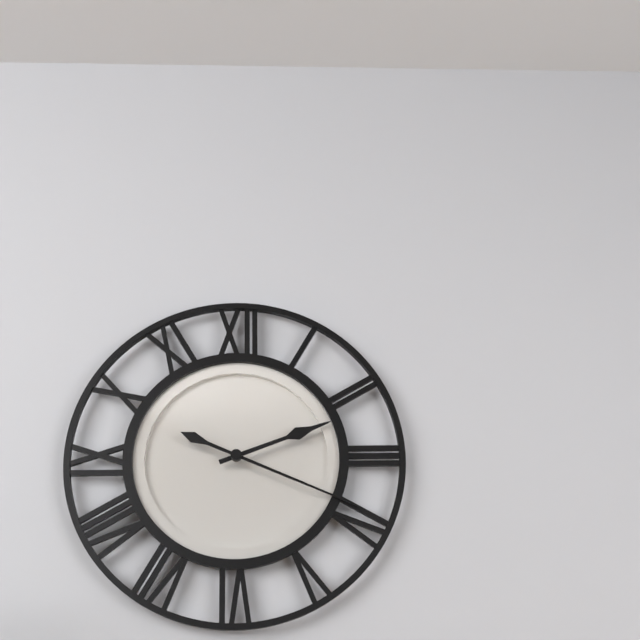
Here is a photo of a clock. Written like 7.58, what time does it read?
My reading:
2.19
